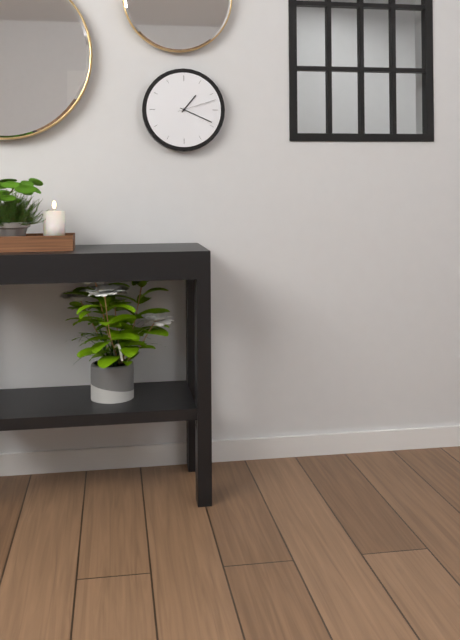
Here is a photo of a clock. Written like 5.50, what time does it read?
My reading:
1.19
